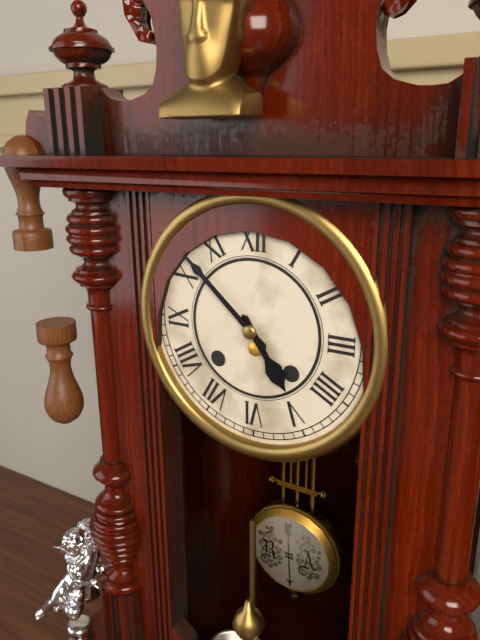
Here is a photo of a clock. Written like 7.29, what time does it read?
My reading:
4.52
